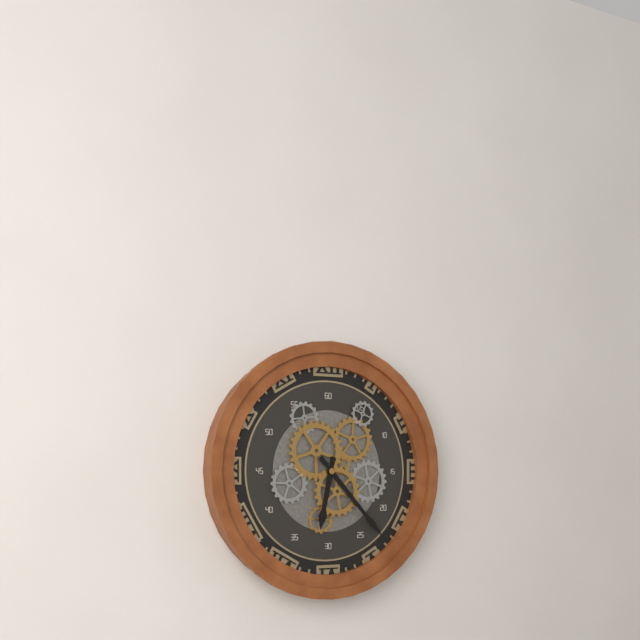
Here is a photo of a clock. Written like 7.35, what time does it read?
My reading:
6.23
